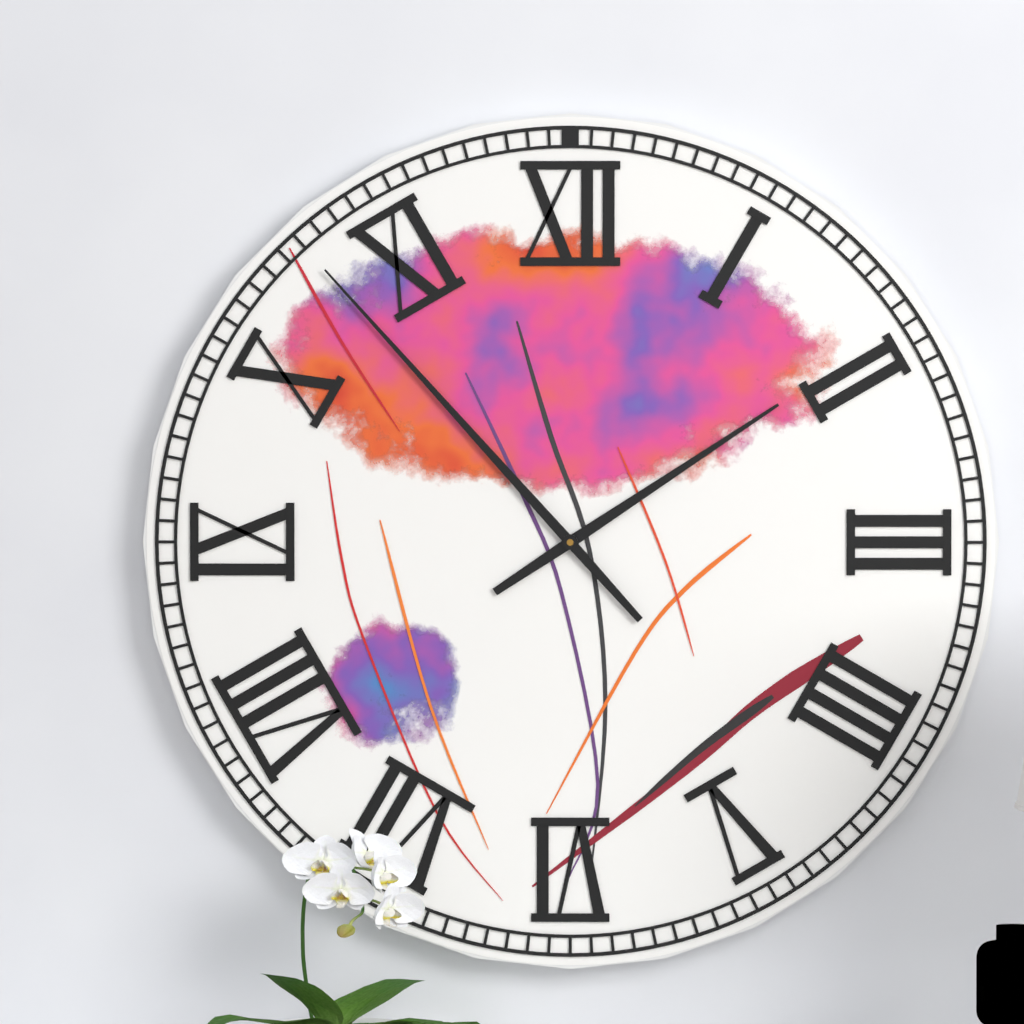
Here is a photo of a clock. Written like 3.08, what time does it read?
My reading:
1.53
